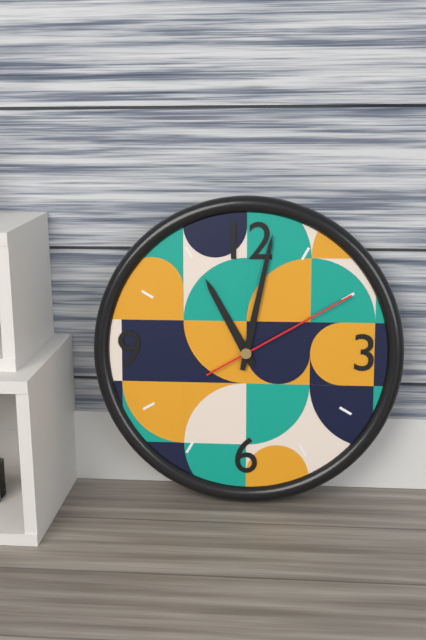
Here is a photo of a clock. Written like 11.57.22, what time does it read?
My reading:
11.02.10
